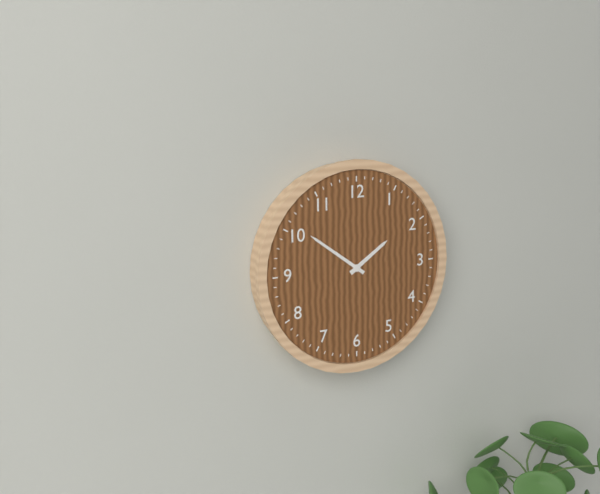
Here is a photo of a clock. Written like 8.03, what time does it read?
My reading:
1.51
